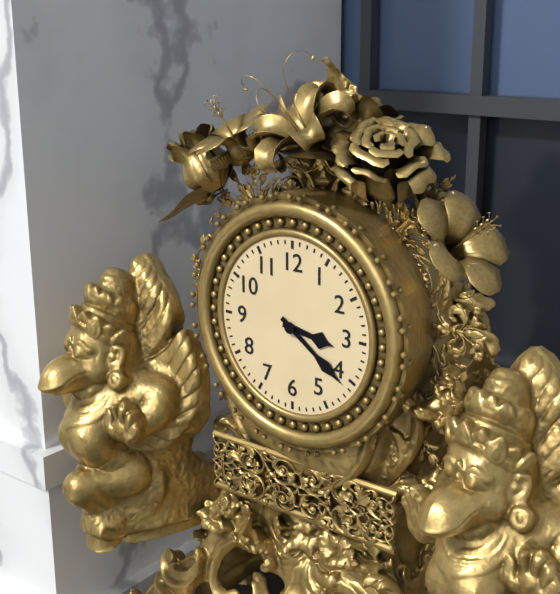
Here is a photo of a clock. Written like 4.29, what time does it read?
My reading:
3.21
